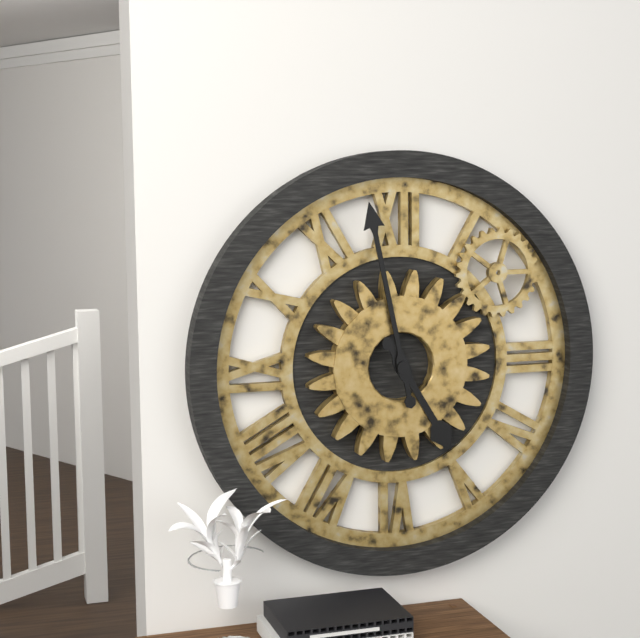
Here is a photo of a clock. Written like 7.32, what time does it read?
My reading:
4.58
